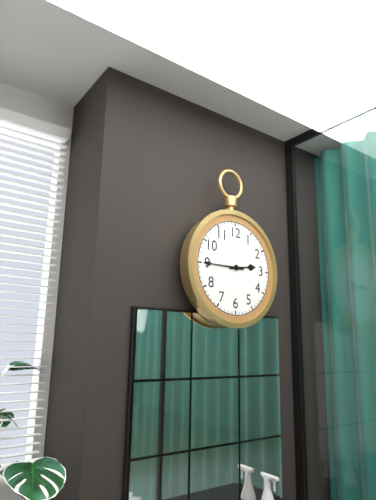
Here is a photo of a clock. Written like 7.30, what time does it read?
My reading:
2.45
